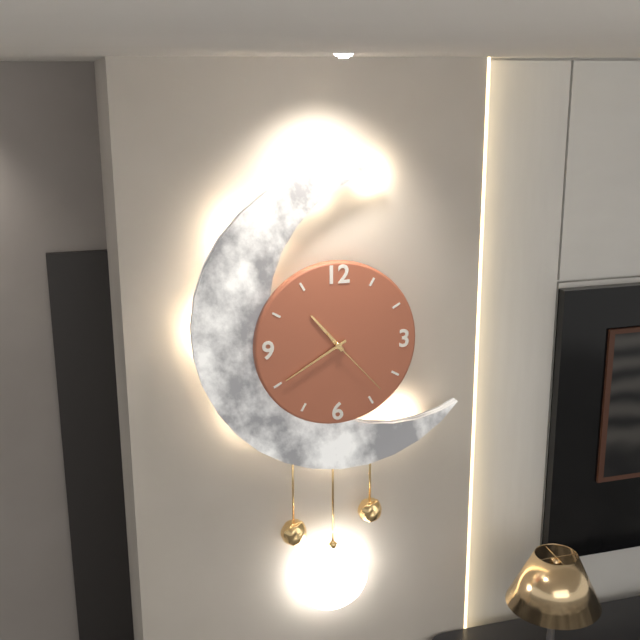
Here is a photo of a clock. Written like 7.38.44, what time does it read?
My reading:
10.40.23
